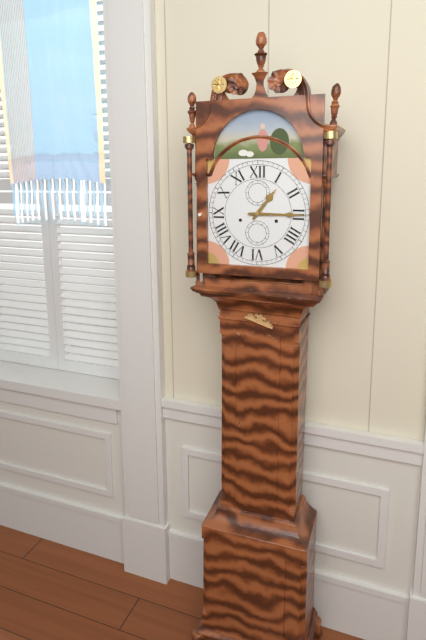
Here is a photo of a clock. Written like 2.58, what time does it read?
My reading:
1.15
